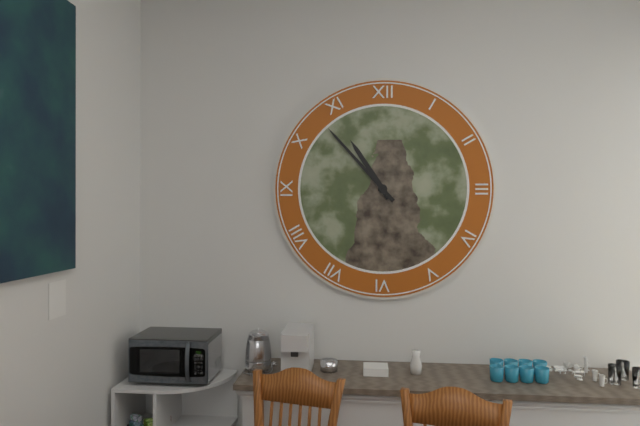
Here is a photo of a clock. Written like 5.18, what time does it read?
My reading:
10.53
